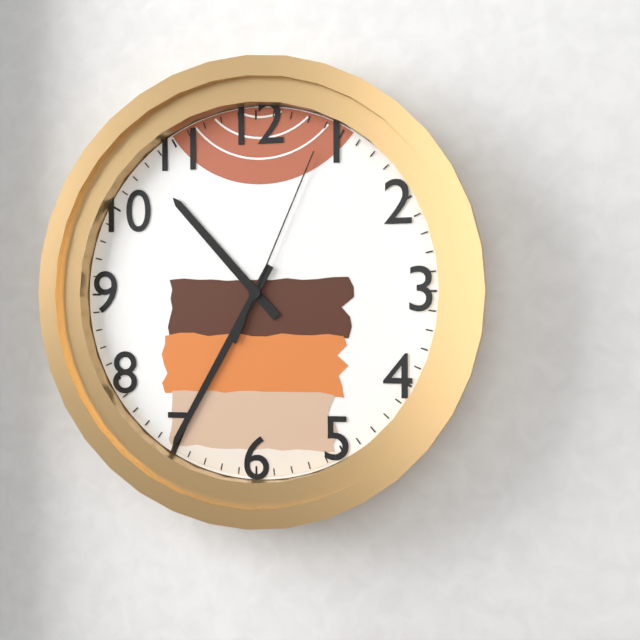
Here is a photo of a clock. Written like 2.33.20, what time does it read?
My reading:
10.35.04
